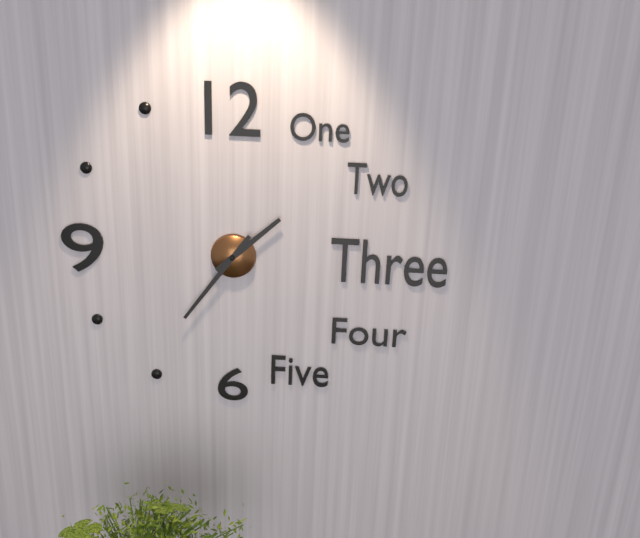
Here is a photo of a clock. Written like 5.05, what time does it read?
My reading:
1.36
